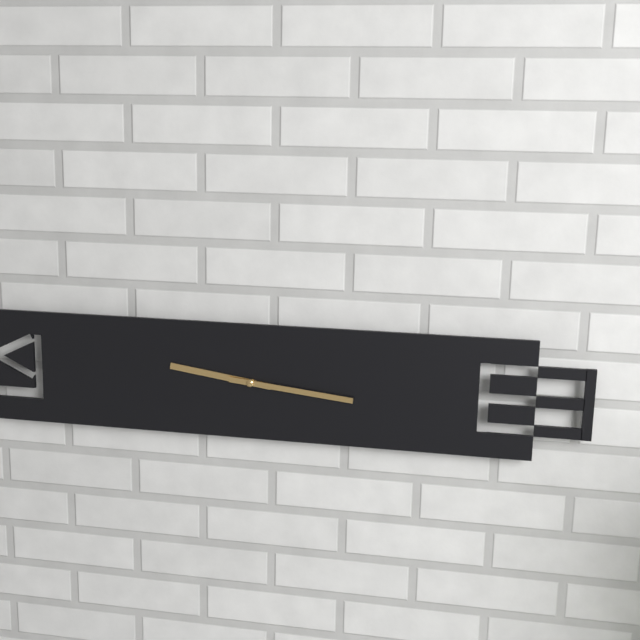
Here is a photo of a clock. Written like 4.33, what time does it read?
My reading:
9.16
